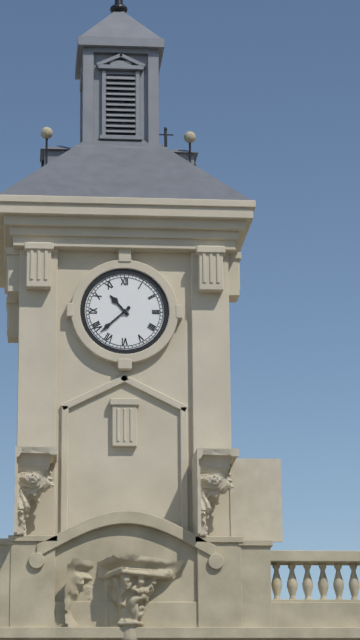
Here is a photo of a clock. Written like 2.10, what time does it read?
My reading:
10.38
